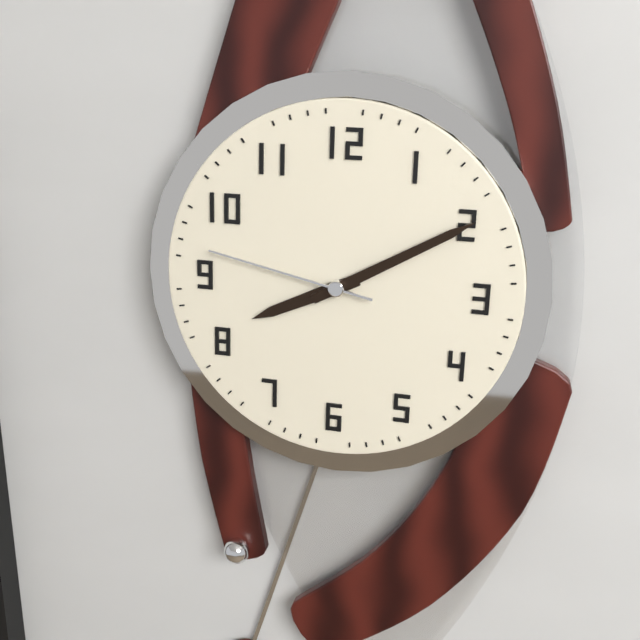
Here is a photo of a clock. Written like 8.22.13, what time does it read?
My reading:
8.10.47
